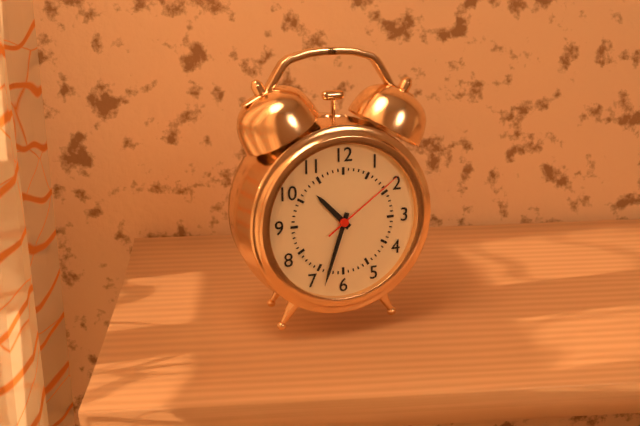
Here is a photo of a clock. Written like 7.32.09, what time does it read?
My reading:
10.33.09
